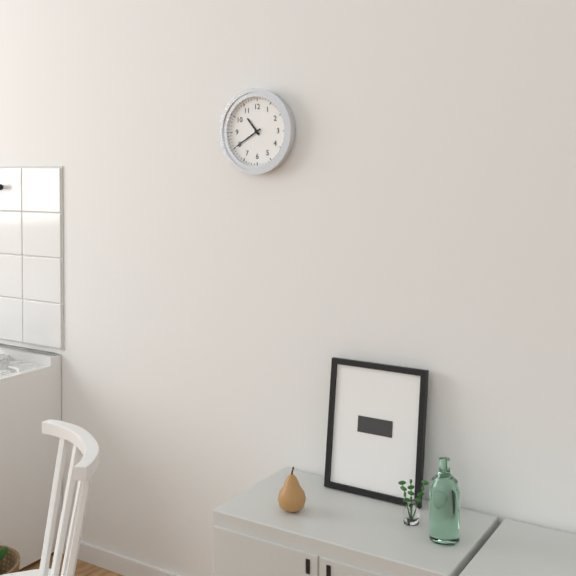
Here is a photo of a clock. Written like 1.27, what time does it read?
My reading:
10.40
